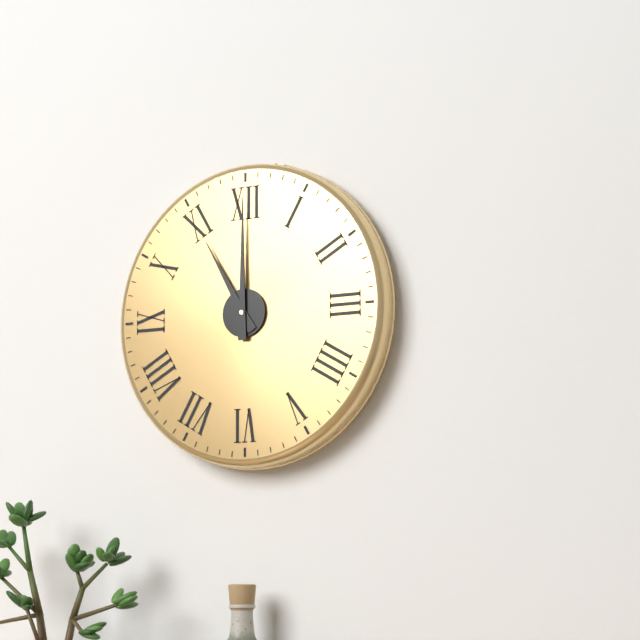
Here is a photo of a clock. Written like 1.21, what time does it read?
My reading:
11.00
